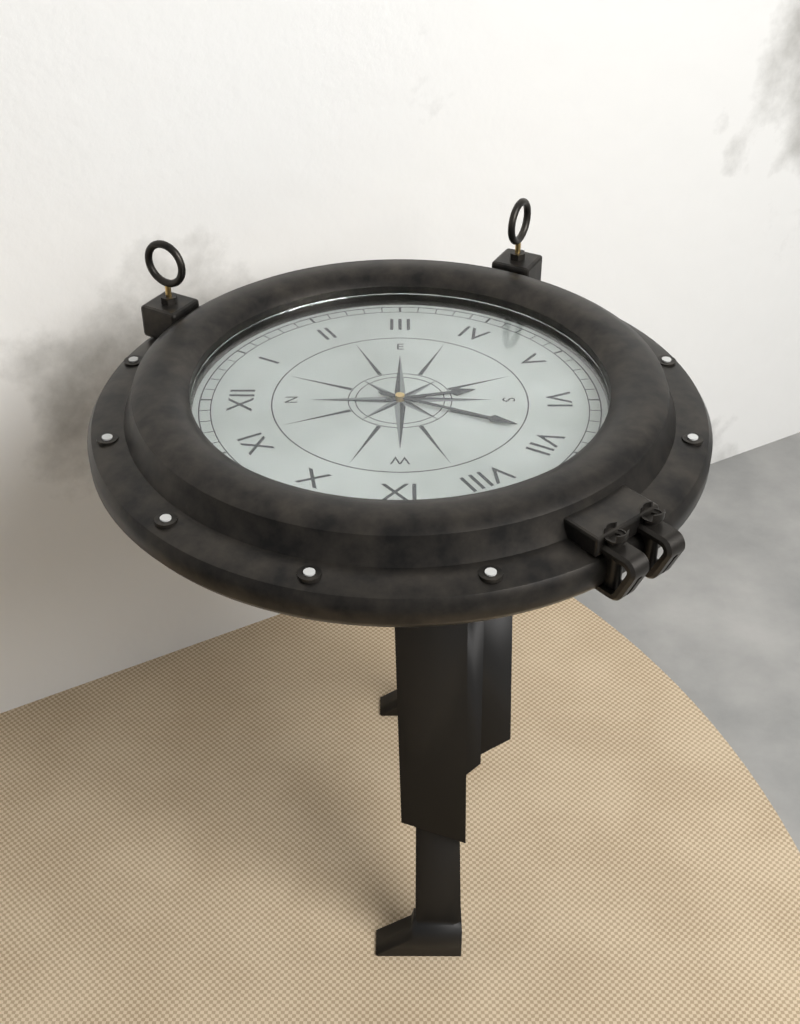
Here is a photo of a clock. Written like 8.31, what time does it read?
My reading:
5.34
